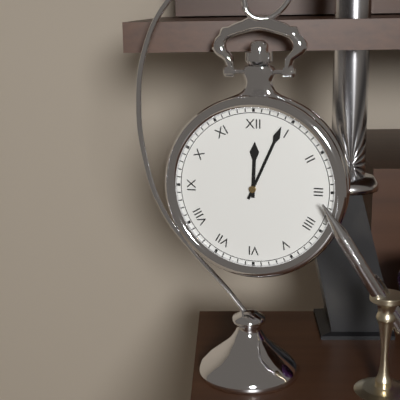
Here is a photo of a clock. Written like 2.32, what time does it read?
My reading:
12.04
